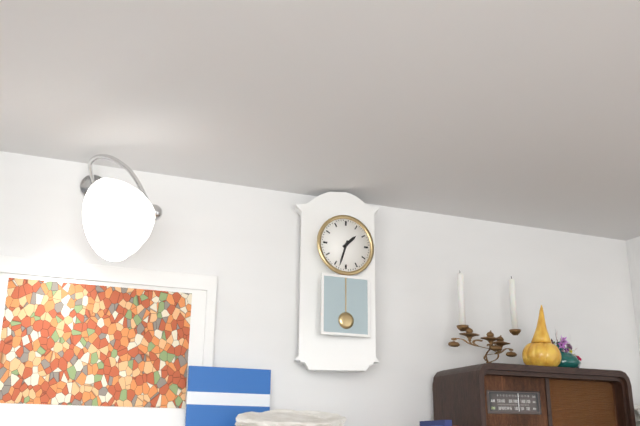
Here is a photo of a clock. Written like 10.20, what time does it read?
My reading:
1.33
